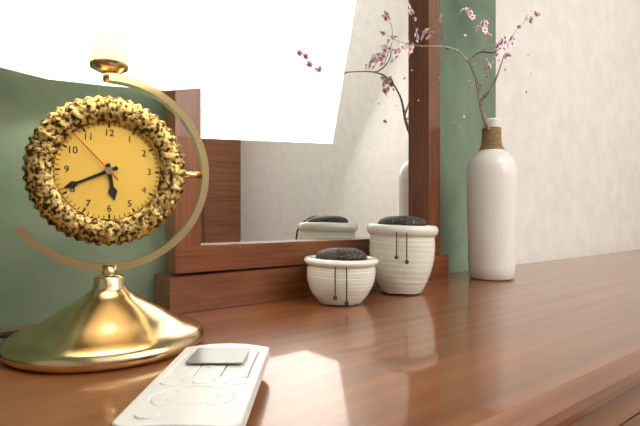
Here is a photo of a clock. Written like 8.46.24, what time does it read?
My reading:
5.41.53
